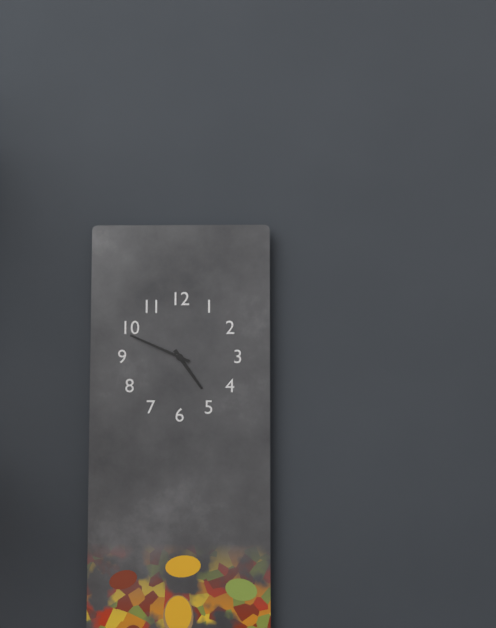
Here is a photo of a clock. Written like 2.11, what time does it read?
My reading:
4.49
